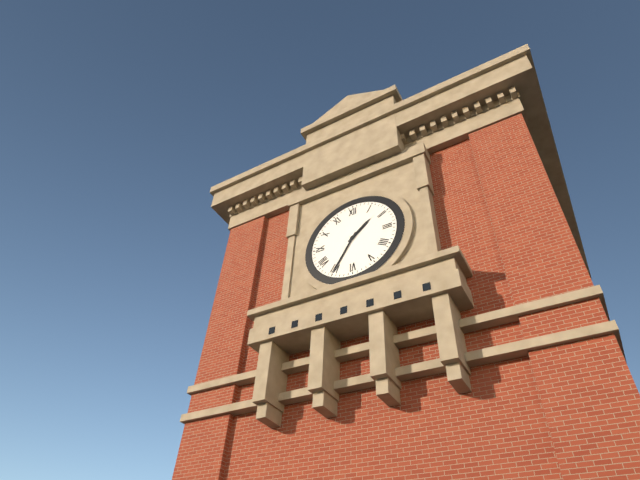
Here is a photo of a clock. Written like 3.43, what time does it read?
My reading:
1.35
